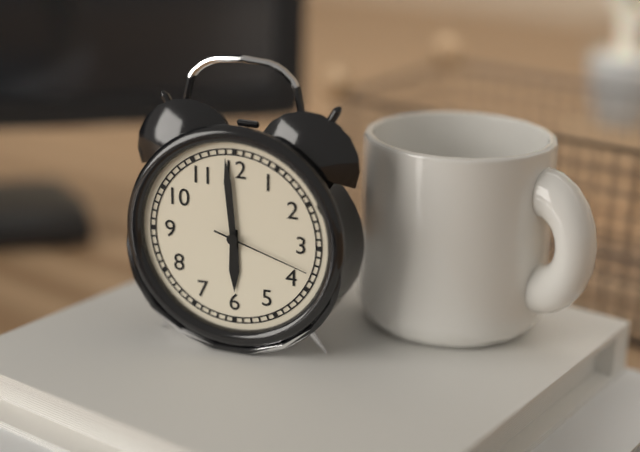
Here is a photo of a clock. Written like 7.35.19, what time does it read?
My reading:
5.59.18
